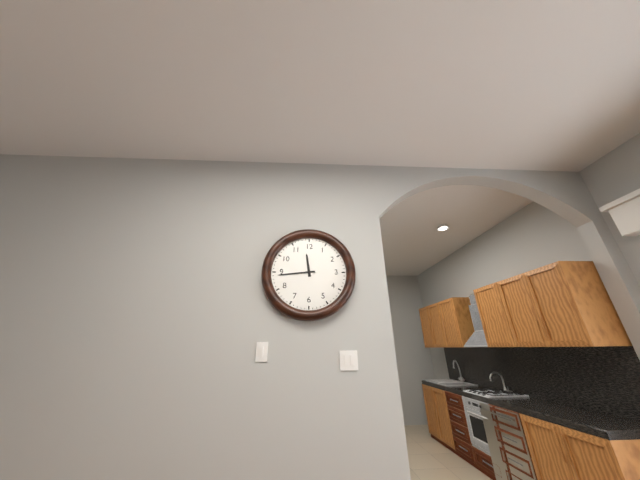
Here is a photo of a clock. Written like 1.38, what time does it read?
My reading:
11.44
